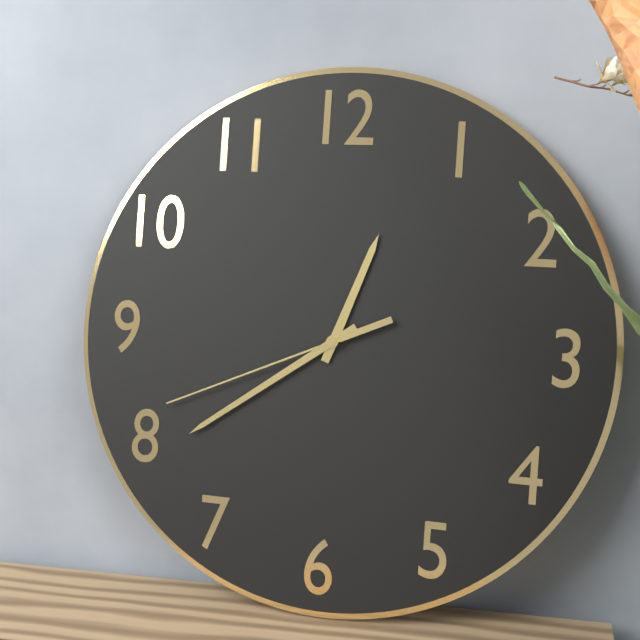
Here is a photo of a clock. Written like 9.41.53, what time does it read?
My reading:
12.39.41
